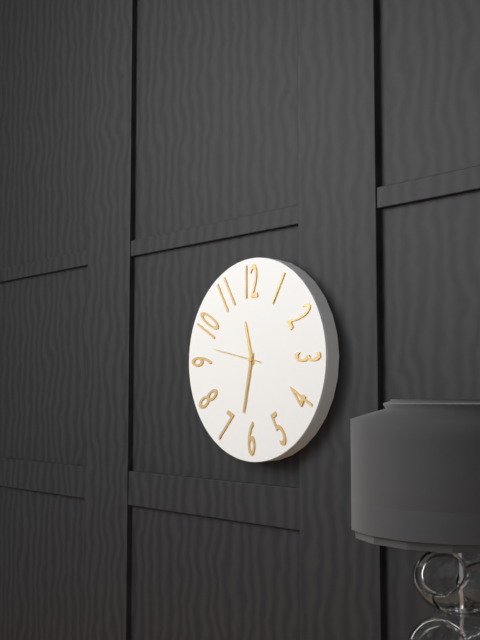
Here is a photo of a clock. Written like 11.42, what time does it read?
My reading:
11.32
